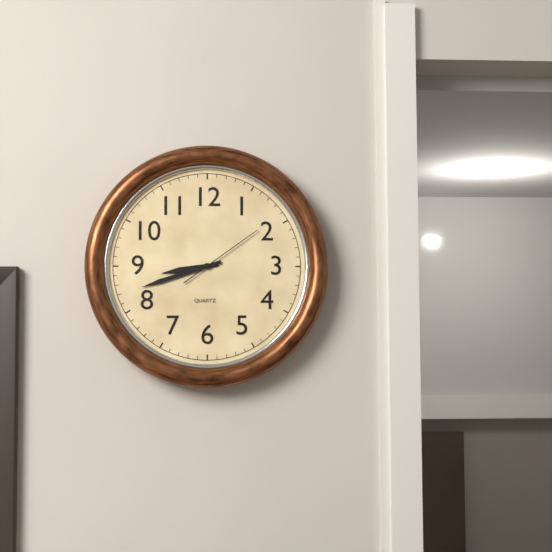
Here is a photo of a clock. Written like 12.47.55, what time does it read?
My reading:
8.42.09
